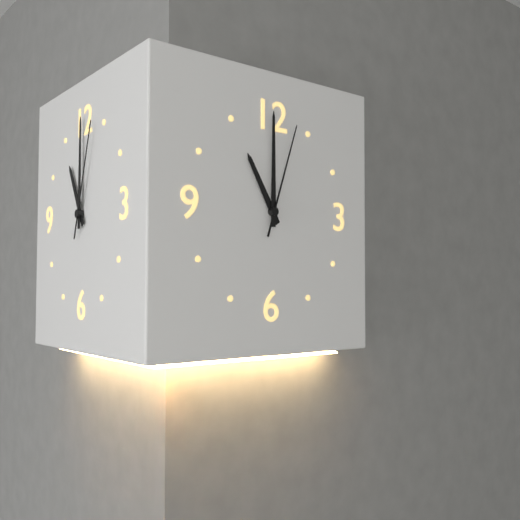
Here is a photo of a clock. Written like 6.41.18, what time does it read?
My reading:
11.00.03
